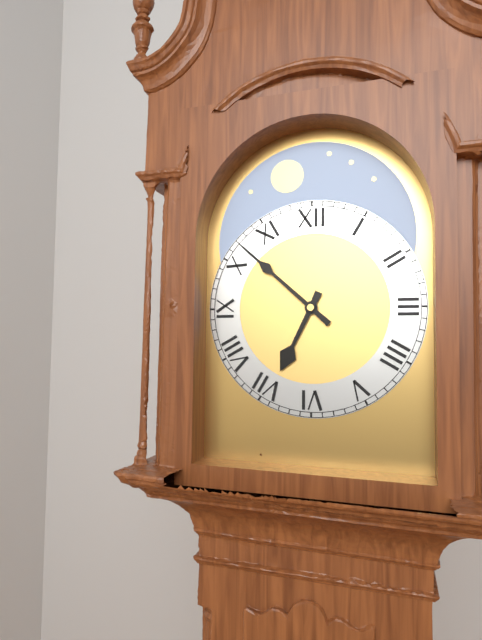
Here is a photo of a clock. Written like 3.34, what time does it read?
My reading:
6.52
